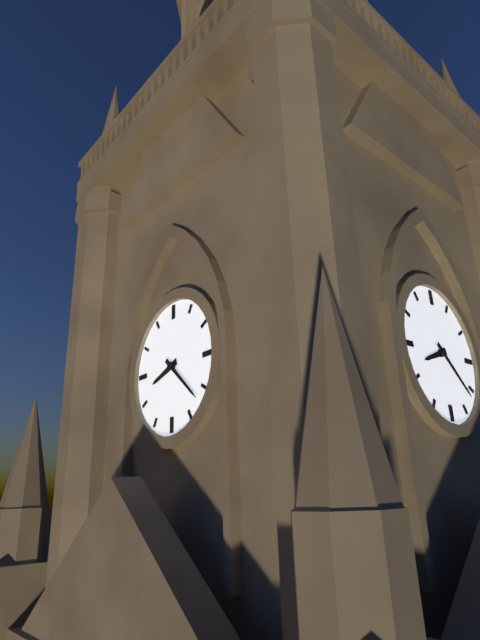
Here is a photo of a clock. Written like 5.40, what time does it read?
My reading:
8.22
